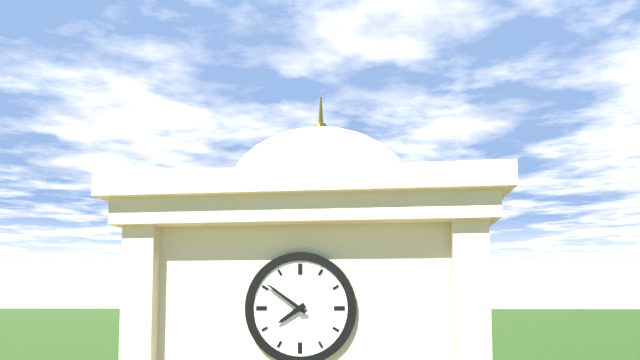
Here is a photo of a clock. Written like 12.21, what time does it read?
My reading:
7.51
